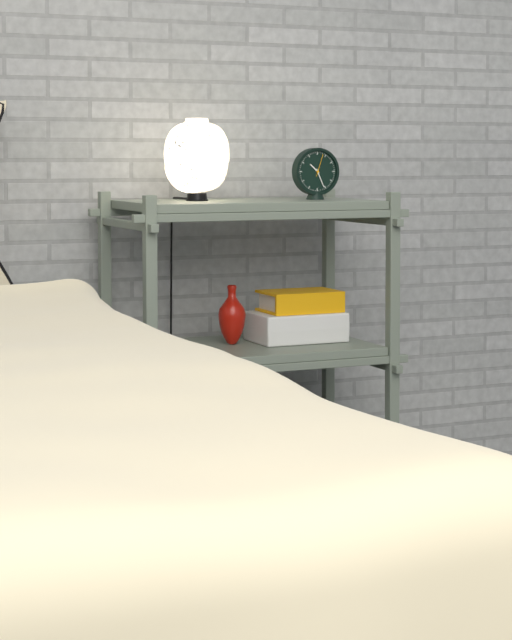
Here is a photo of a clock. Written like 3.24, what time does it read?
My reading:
10.26
